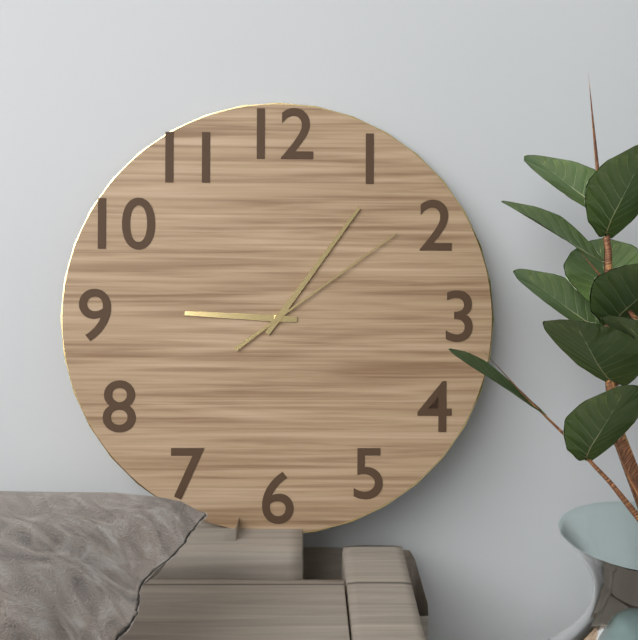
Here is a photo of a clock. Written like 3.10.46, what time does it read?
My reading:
9.06.09
